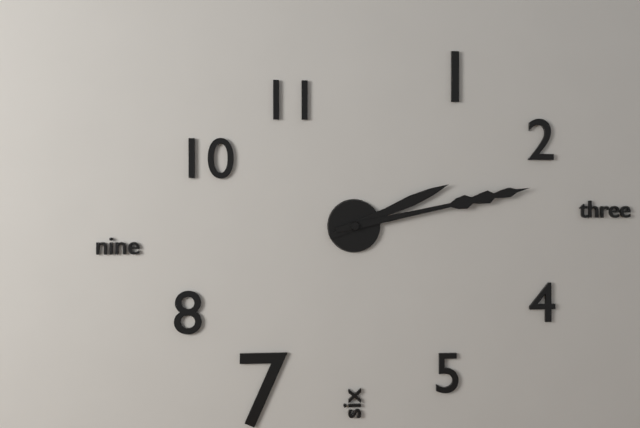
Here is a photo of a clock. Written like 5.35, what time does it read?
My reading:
2.13
